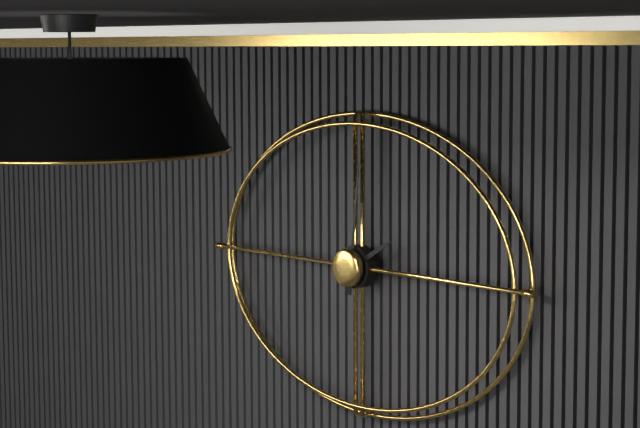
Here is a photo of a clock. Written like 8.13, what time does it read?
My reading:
2.01
